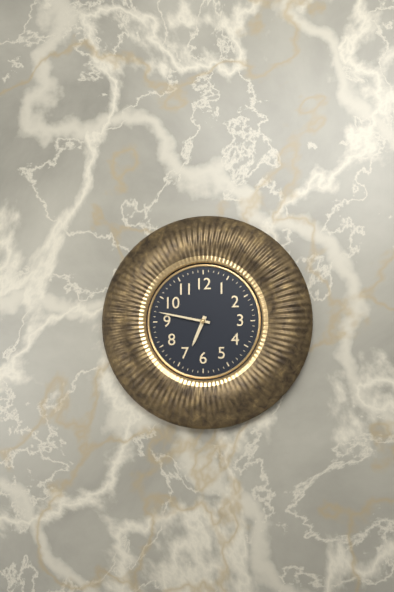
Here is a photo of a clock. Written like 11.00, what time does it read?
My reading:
6.47
